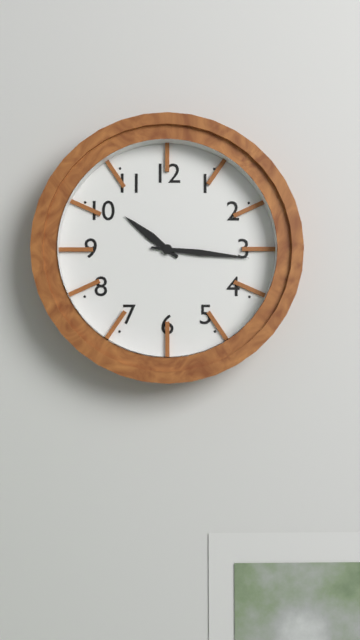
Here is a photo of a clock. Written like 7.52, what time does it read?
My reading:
10.16
